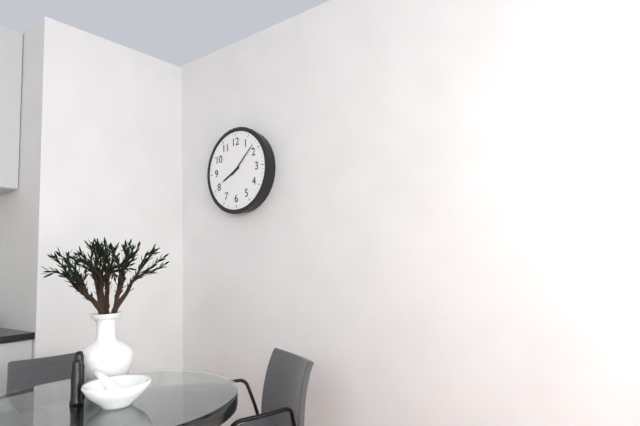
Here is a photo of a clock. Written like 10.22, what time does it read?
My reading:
8.08
